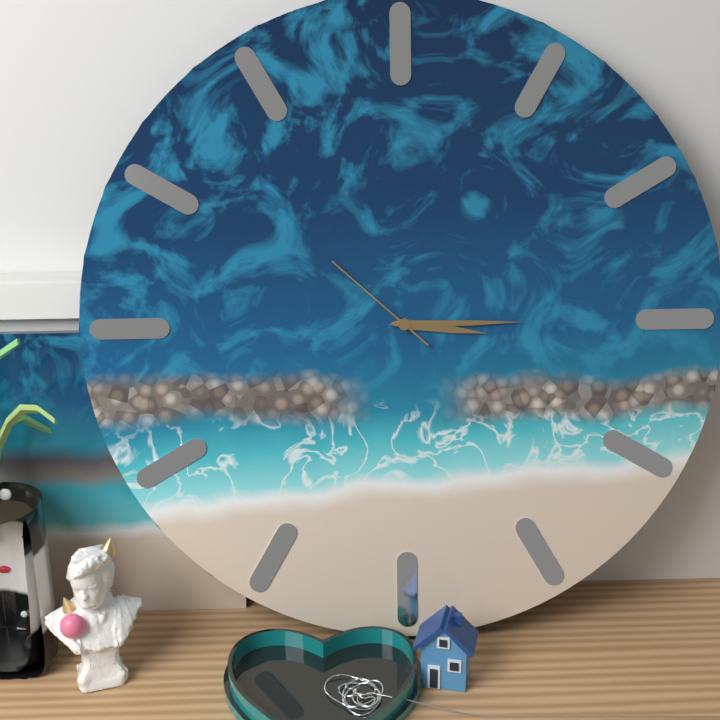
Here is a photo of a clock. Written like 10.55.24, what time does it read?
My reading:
3.15.52
